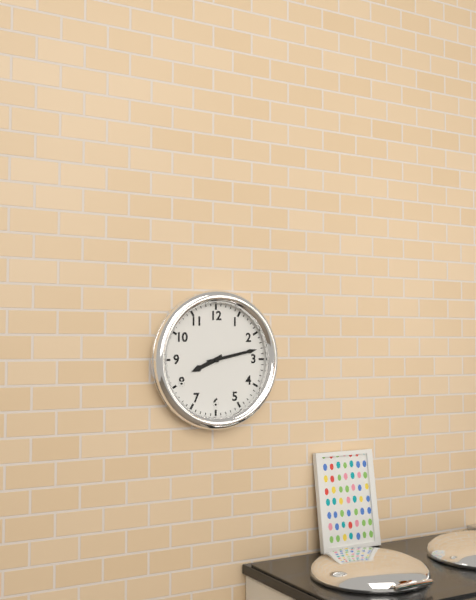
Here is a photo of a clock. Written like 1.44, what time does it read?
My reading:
8.13
